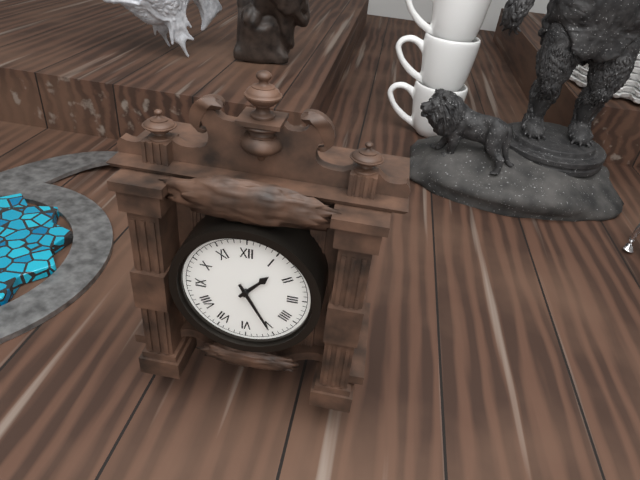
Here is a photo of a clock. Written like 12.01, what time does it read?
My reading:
1.25
